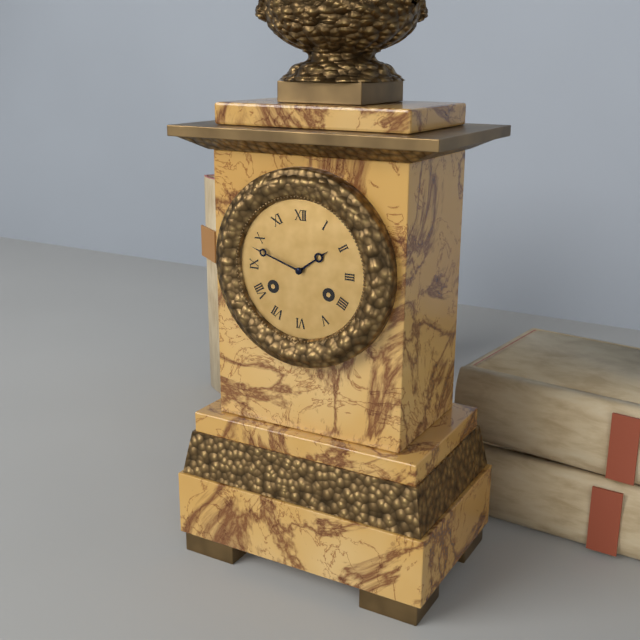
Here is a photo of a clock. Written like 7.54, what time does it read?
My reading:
1.48
